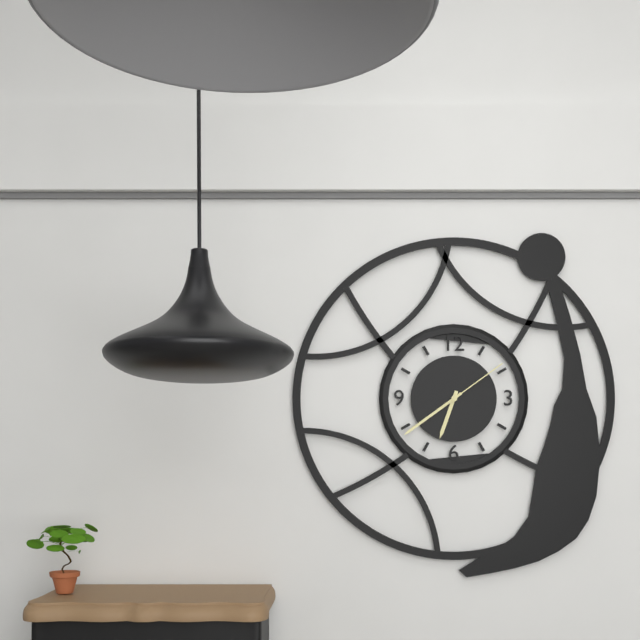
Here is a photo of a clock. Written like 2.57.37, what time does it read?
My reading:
6.39.09
